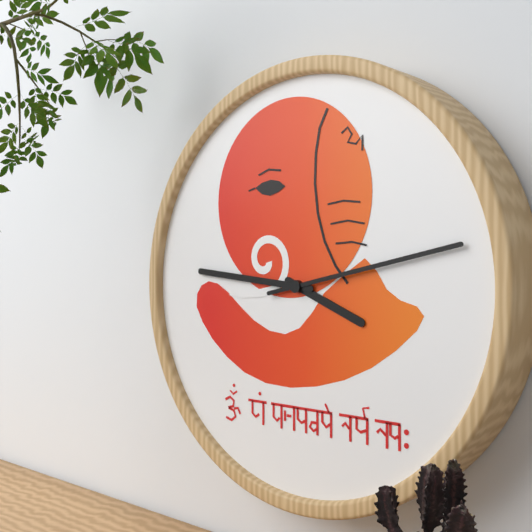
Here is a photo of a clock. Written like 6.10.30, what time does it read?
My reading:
3.46.13
